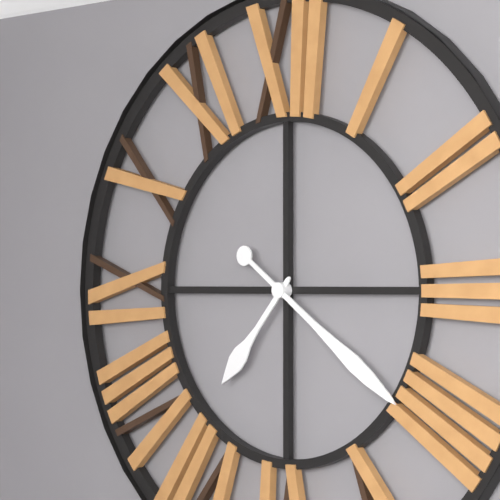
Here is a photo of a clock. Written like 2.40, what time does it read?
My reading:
7.21
